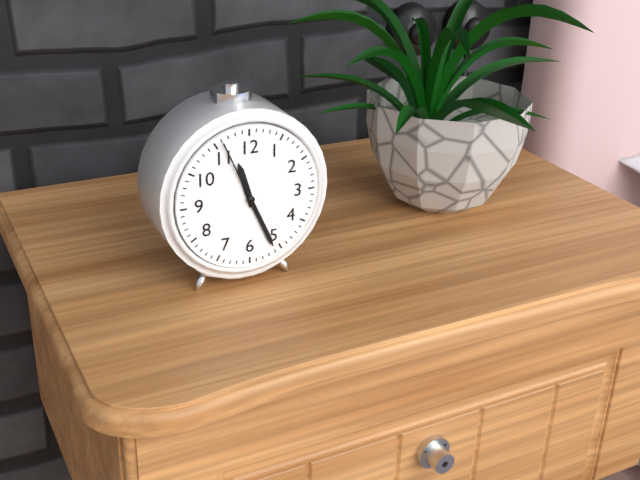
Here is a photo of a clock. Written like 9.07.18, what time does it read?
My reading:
11.26.56
